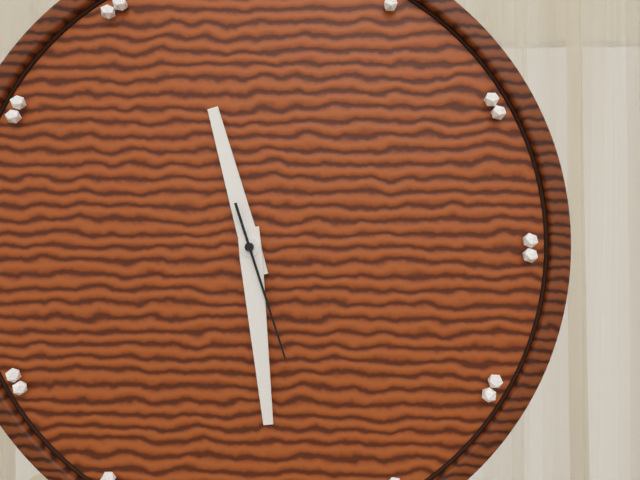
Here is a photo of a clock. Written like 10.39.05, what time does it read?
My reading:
11.29.27
